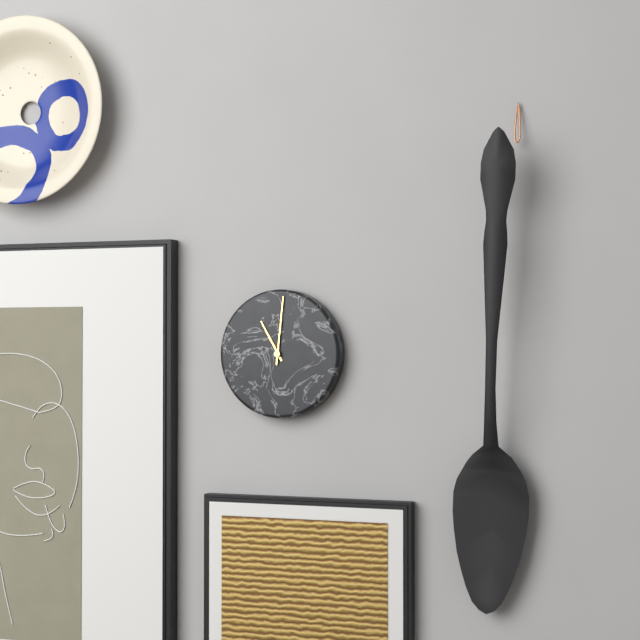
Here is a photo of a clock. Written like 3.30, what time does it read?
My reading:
11.01
